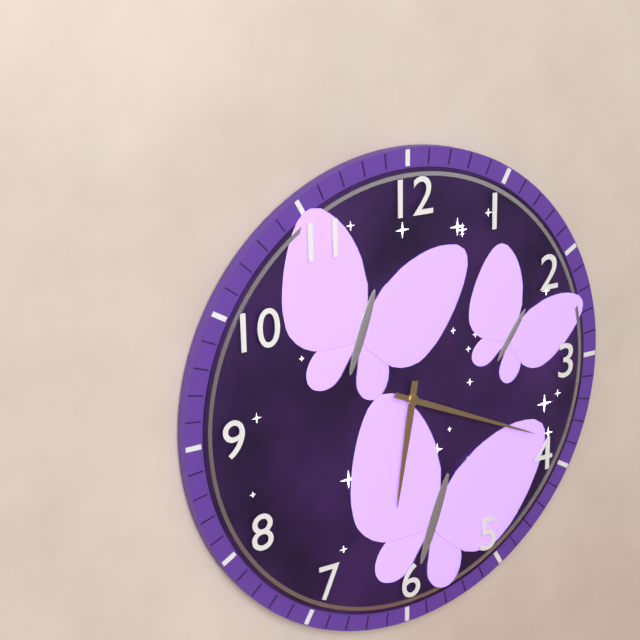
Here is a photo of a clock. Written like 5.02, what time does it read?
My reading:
6.19
